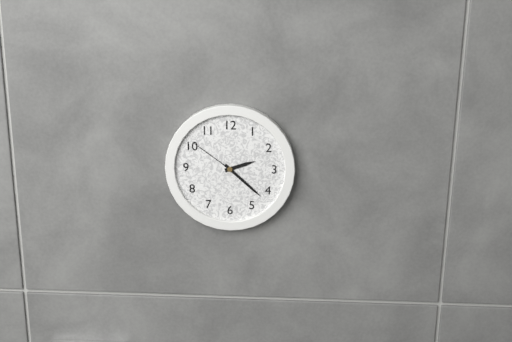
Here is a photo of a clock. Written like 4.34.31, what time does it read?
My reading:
2.22.51
